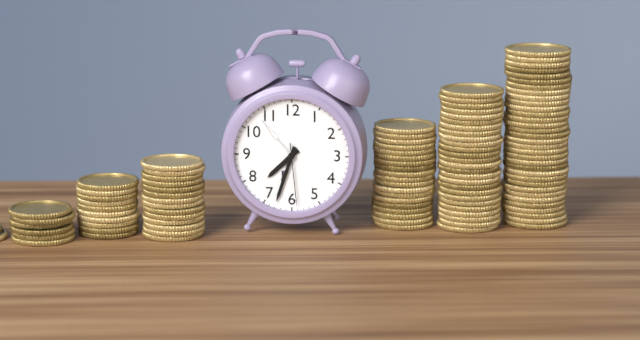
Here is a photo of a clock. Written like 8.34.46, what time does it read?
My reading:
7.33.29
